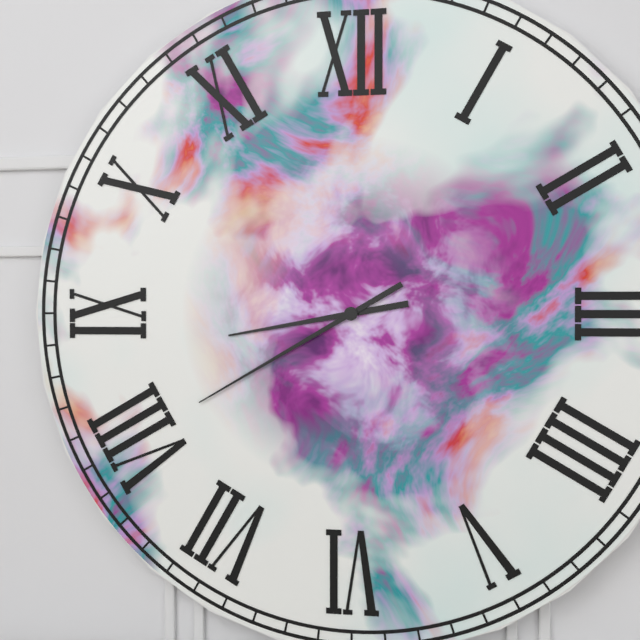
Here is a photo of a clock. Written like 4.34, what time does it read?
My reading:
8.40
